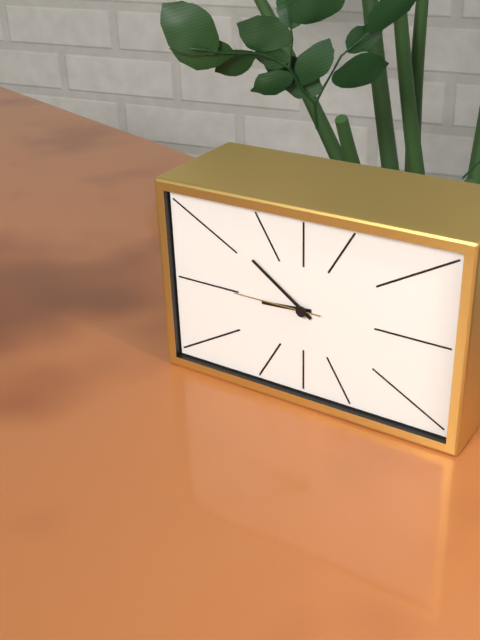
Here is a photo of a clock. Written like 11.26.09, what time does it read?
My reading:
8.51.45
